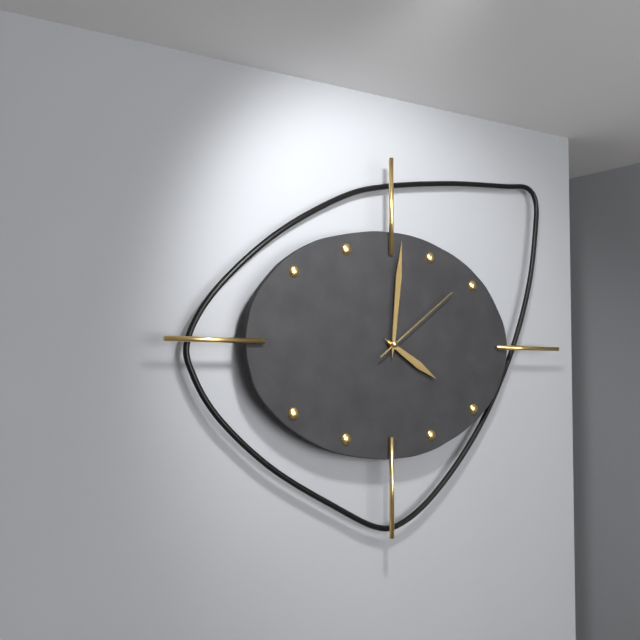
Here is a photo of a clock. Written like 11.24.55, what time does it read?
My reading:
4.01.09
